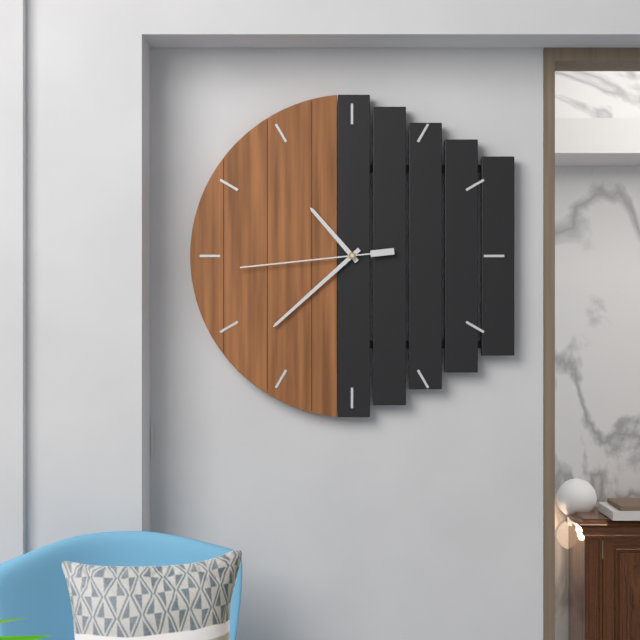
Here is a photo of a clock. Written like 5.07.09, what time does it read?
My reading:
10.38.44
